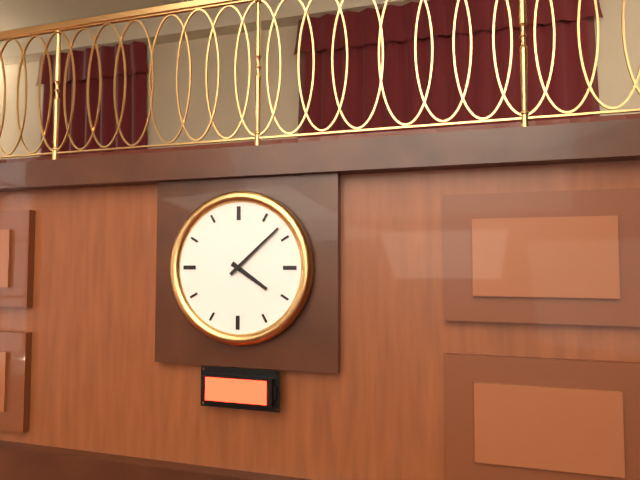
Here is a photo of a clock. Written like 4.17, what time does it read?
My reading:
4.08
